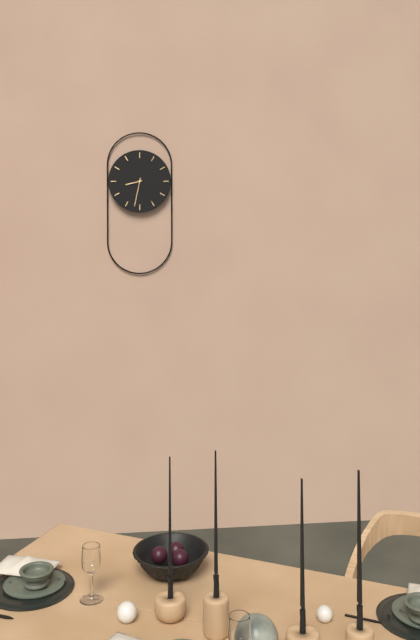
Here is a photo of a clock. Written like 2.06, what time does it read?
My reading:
8.32
